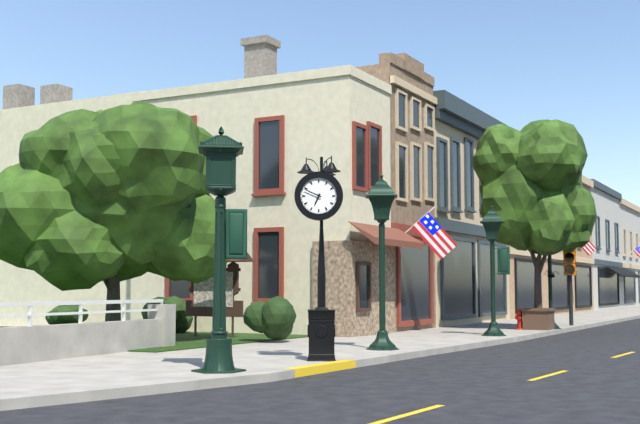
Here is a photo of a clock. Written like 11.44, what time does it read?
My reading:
6.49
